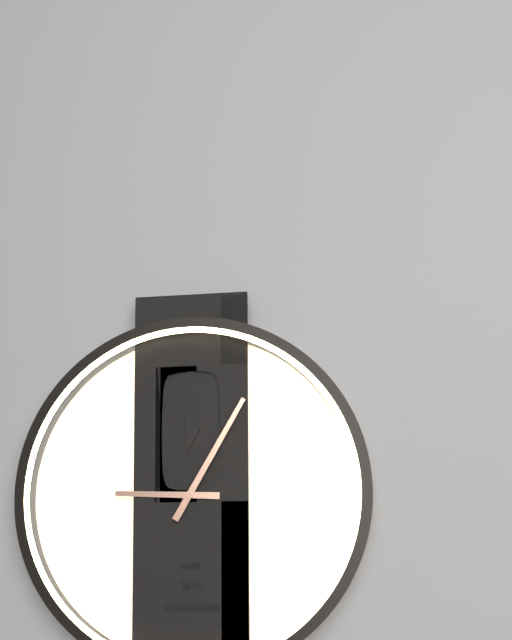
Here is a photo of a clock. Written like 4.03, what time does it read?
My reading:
9.05
